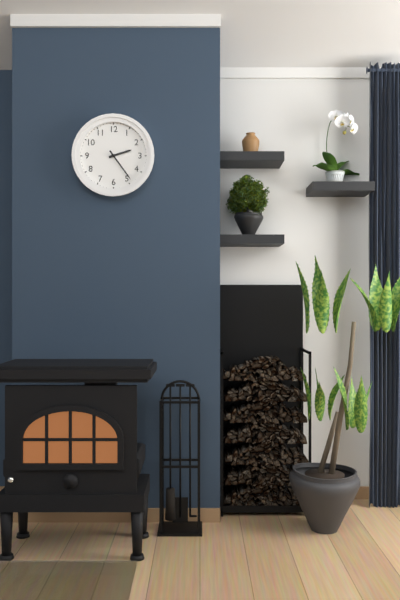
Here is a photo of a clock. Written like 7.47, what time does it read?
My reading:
2.24
